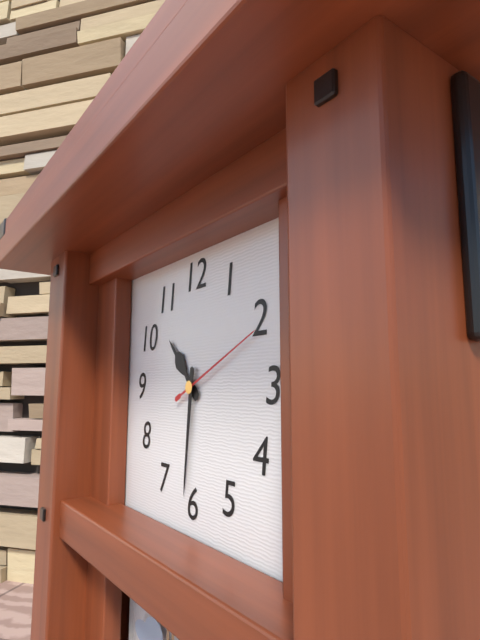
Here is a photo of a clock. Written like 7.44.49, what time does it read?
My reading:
10.31.11
